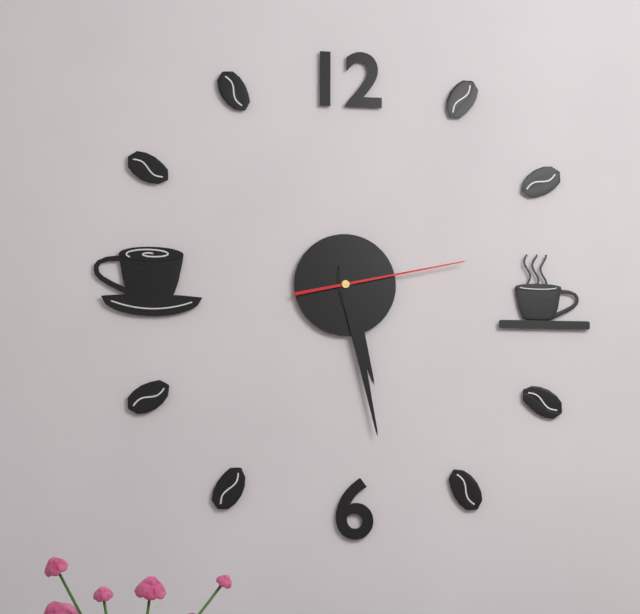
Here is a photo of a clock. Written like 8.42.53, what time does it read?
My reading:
5.28.13
